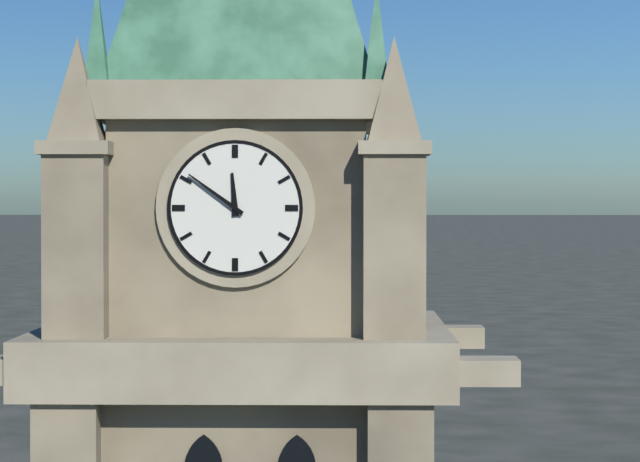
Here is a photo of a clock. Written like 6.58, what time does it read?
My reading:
11.51
